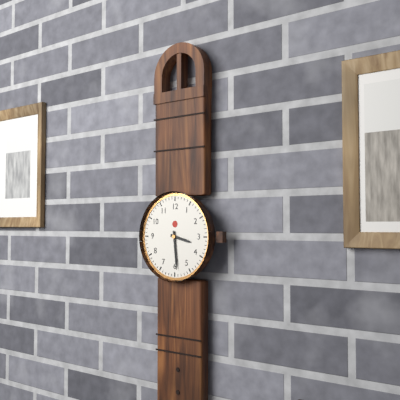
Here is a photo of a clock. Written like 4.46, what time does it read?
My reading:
3.29
